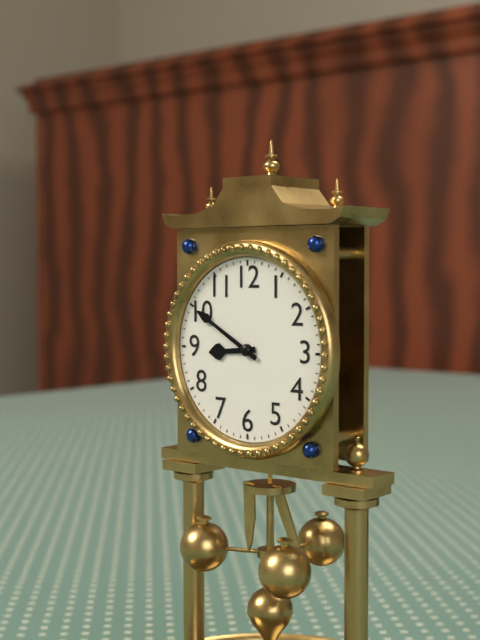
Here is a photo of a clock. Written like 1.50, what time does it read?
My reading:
8.50
